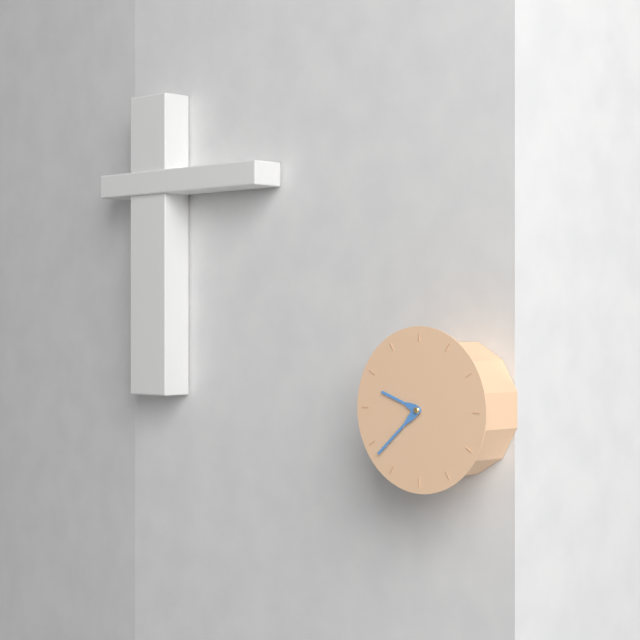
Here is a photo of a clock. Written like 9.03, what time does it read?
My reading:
9.38
